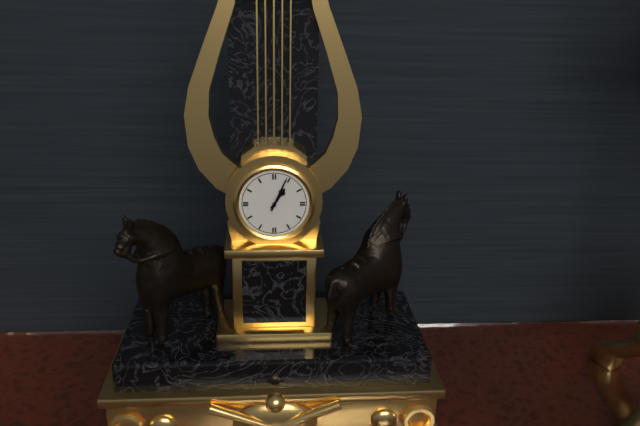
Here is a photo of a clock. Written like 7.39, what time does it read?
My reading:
1.04
